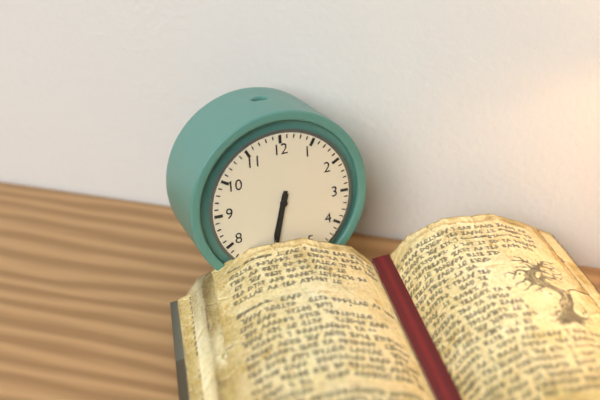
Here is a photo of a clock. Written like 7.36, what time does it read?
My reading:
6.32
